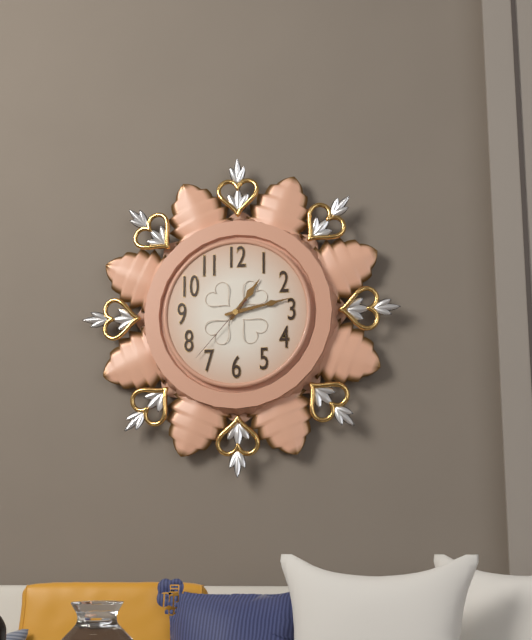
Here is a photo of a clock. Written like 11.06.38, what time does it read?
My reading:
1.13.37
